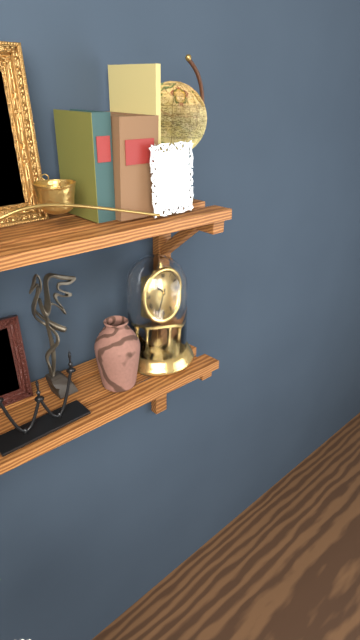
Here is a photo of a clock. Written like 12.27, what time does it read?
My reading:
10.34
